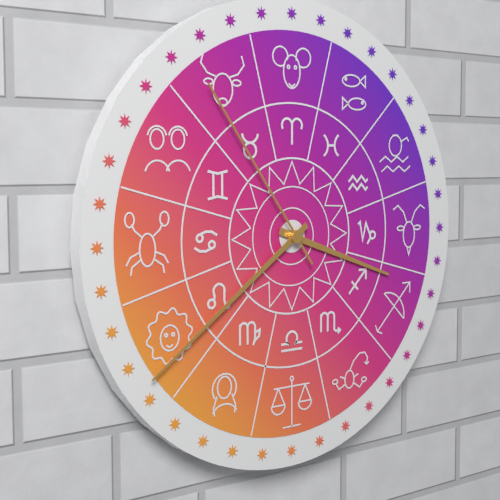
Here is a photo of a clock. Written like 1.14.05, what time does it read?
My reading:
3.39.54
